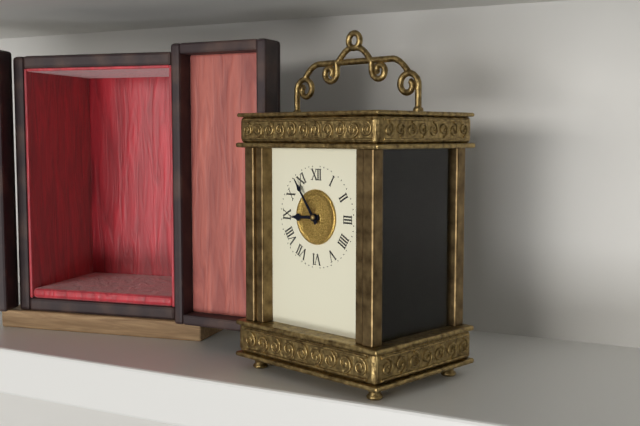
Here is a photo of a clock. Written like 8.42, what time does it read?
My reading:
8.54
